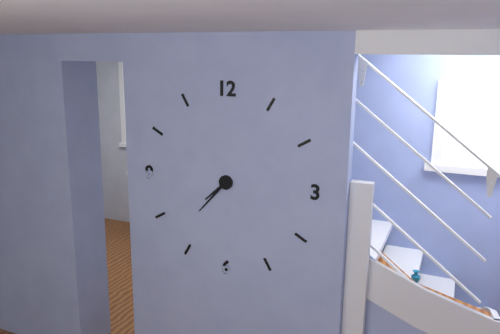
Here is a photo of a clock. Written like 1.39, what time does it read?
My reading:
7.37
